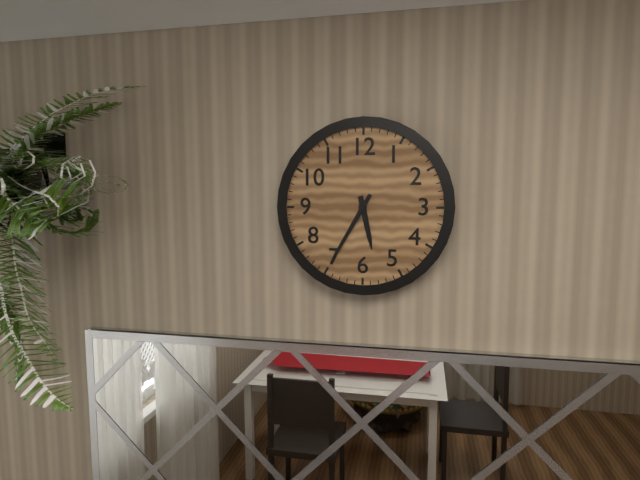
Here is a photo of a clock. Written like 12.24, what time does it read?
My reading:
5.35
